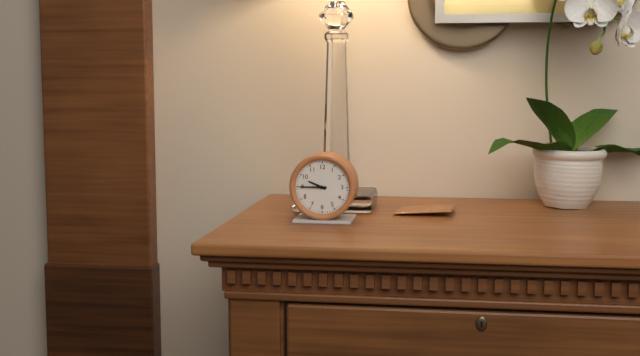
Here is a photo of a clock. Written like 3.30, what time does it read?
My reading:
9.45
